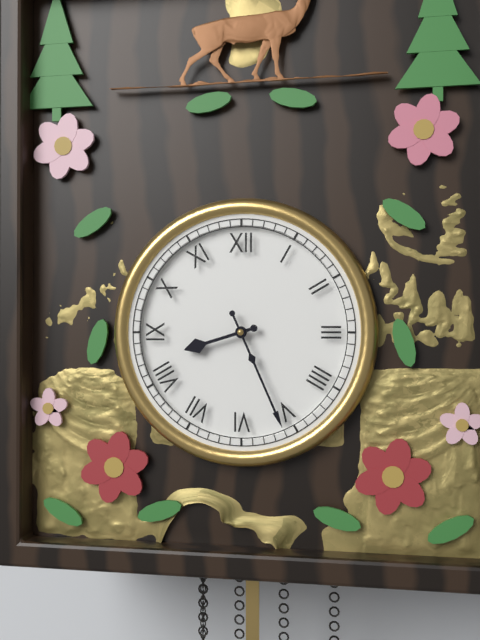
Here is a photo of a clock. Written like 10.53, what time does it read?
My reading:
8.26
